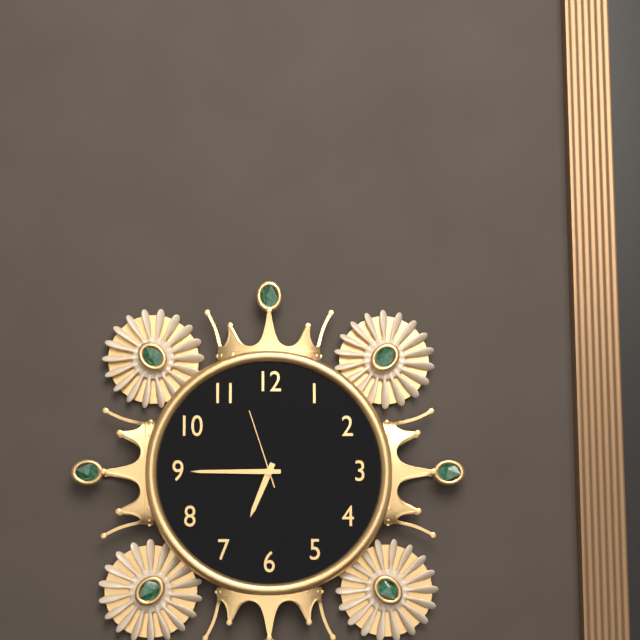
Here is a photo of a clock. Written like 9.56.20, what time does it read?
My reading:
6.45.57
